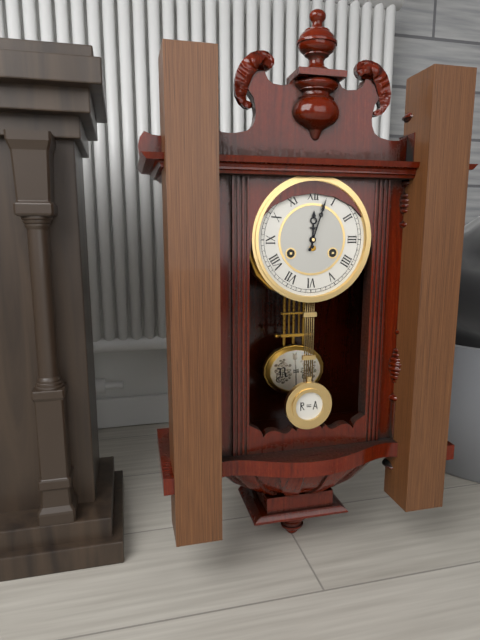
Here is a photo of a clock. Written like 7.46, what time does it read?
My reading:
12.03
